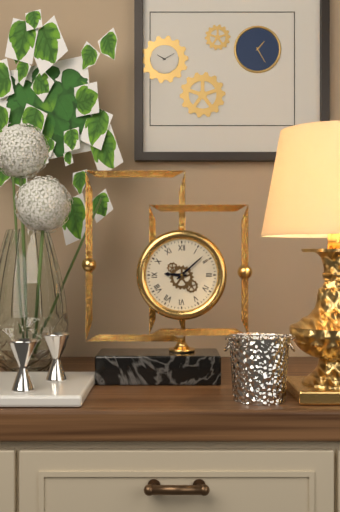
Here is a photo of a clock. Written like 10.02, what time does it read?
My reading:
9.08
